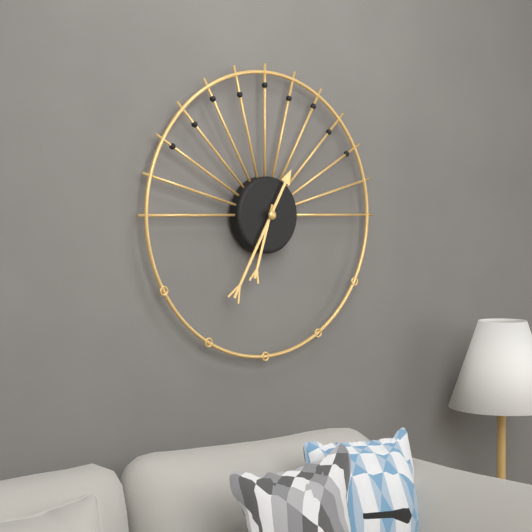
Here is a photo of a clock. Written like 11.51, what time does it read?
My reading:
6.35
